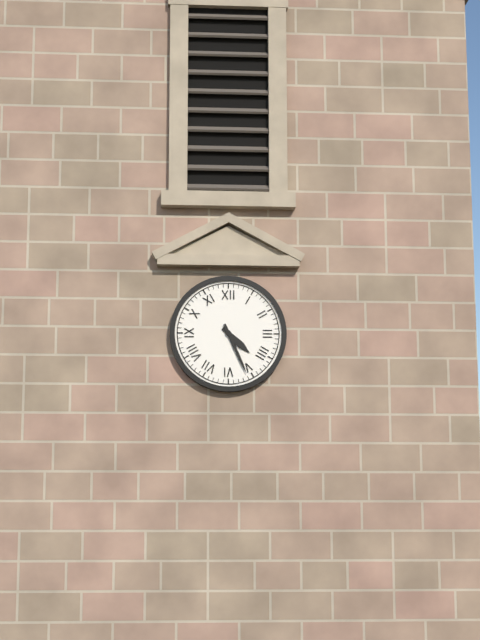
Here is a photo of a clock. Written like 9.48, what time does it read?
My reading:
4.26
